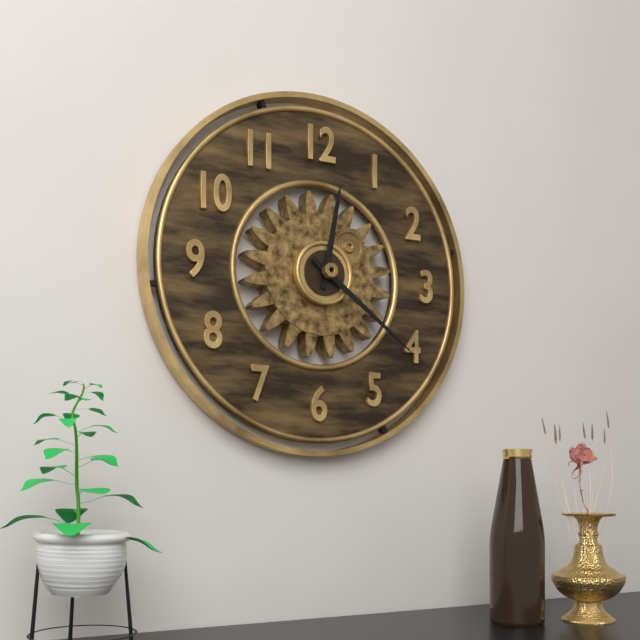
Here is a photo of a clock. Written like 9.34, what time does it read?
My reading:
12.21
